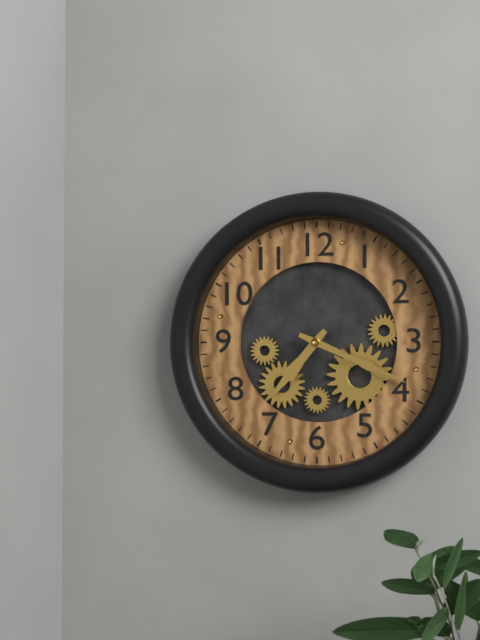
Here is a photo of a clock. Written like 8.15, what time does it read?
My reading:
7.19
